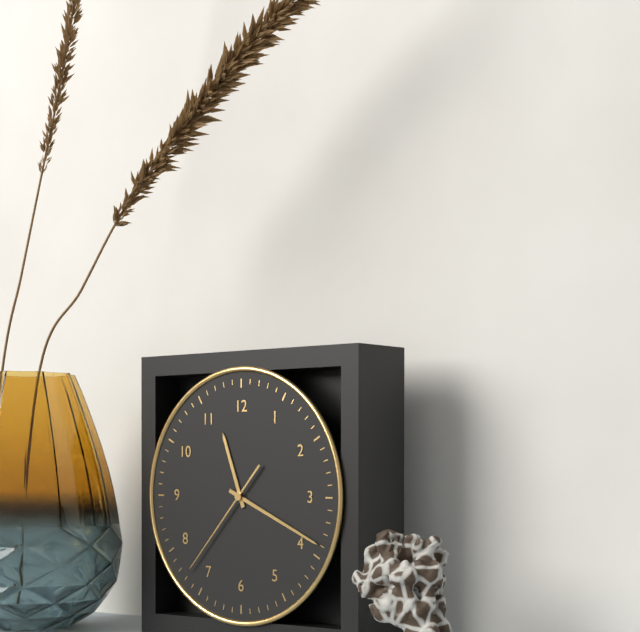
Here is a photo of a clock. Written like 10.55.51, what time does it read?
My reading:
11.19.37
